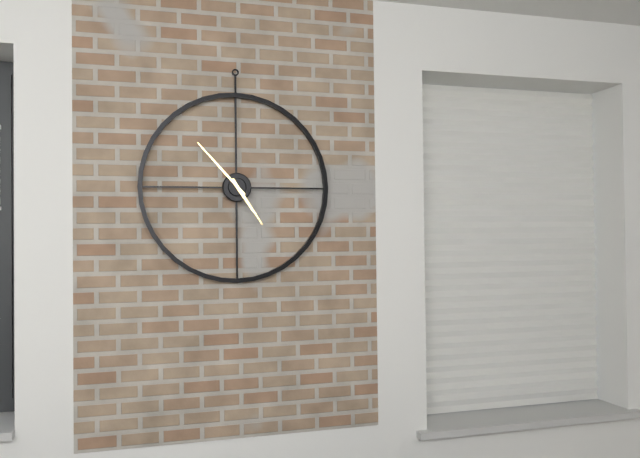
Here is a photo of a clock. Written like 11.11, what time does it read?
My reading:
4.53
